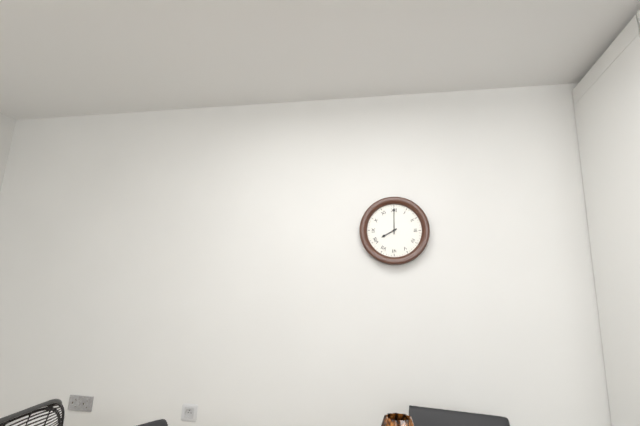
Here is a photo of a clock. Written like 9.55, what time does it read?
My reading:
8.00
